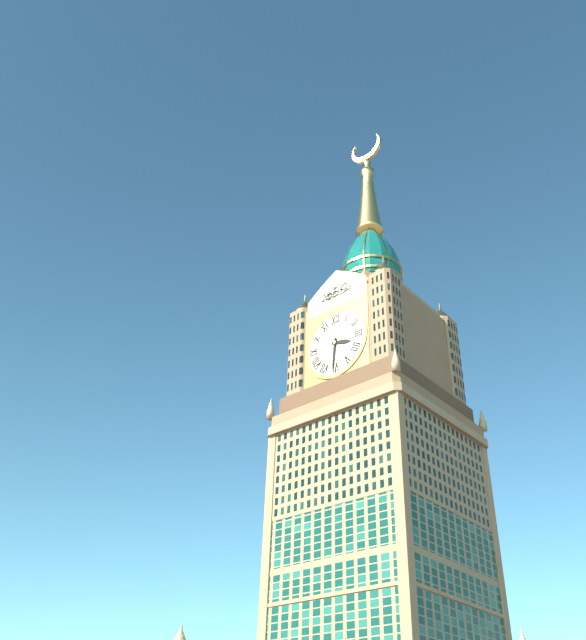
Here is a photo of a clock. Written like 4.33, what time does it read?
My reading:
3.31
